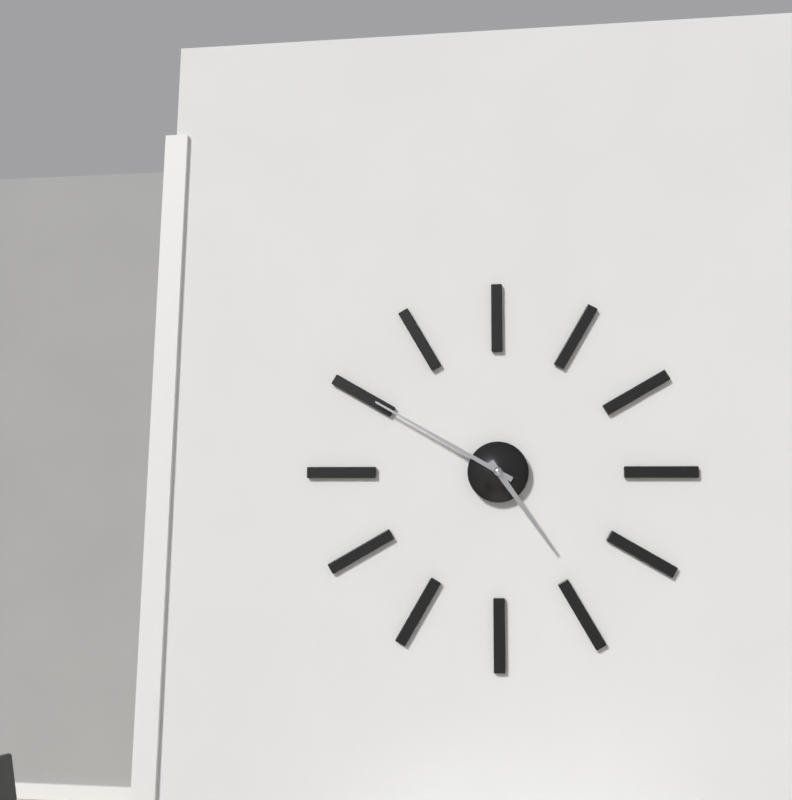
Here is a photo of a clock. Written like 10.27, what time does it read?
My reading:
4.50
